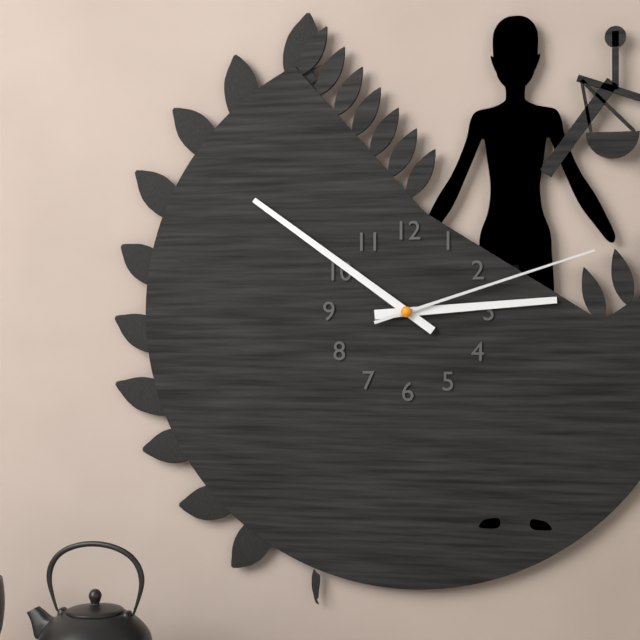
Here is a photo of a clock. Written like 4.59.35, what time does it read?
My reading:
2.51.12
